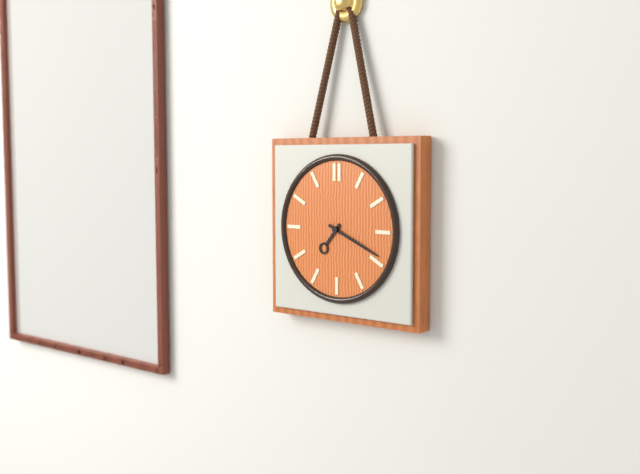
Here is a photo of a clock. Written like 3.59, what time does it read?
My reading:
7.19
